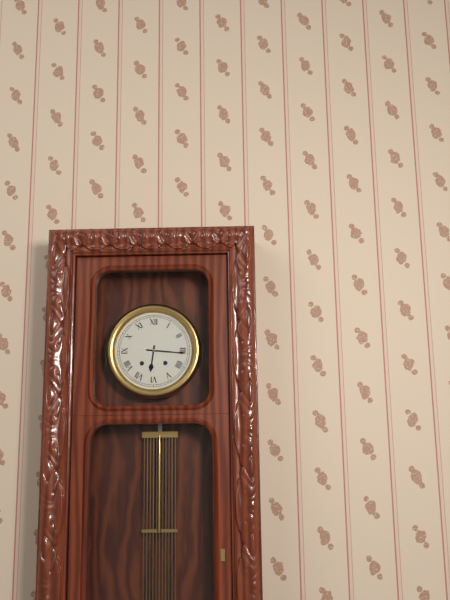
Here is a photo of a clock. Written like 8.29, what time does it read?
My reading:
6.16
